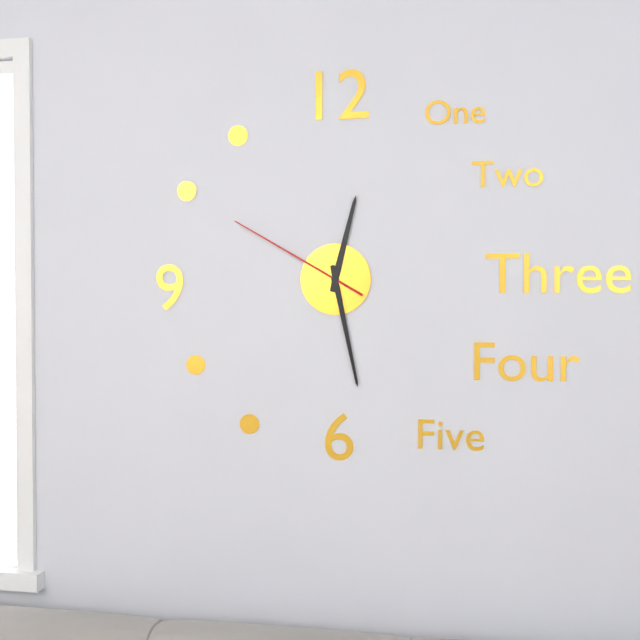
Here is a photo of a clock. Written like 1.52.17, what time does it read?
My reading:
12.28.50
